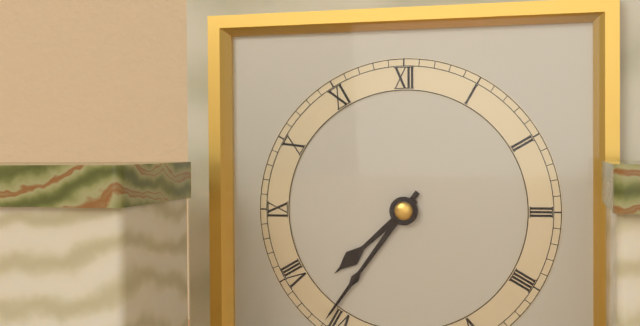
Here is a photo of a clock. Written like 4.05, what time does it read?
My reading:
7.36
